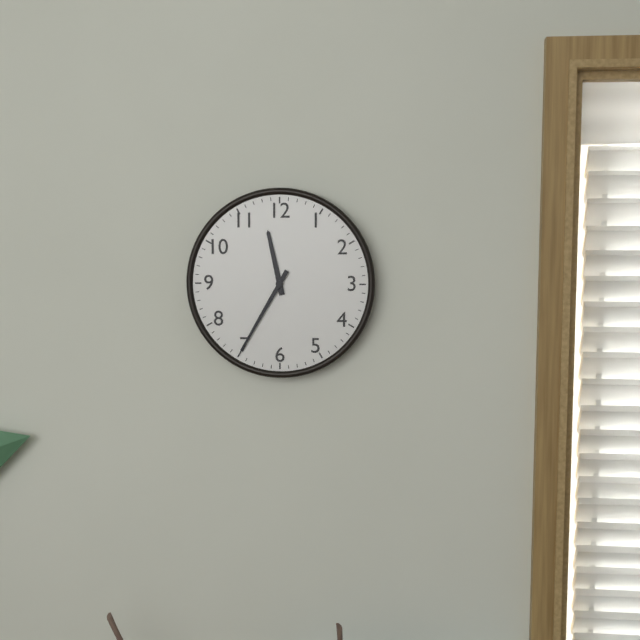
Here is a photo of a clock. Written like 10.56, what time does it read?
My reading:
11.35
